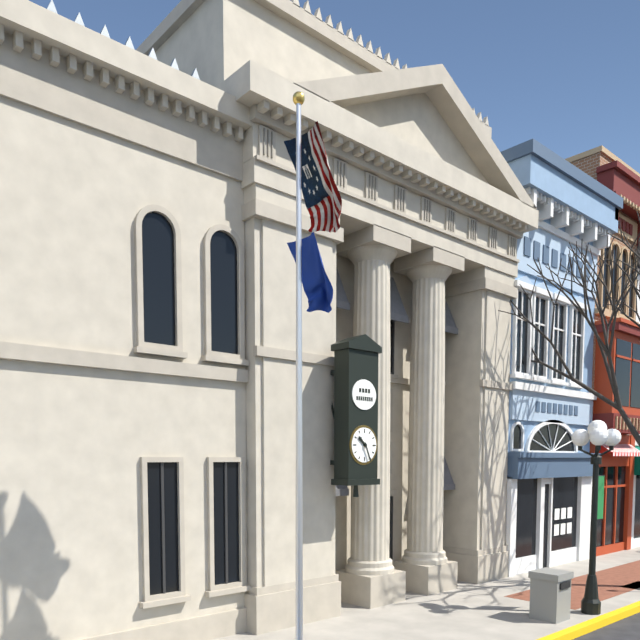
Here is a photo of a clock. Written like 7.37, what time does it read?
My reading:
10.26
